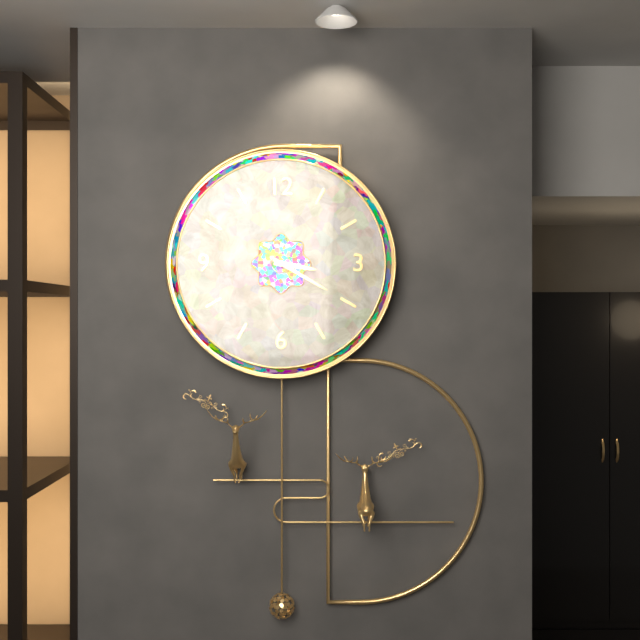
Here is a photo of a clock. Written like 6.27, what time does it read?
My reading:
3.20
